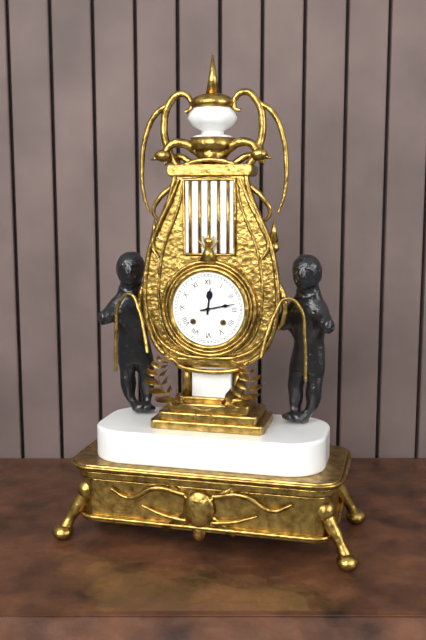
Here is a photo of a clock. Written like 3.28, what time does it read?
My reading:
12.13
